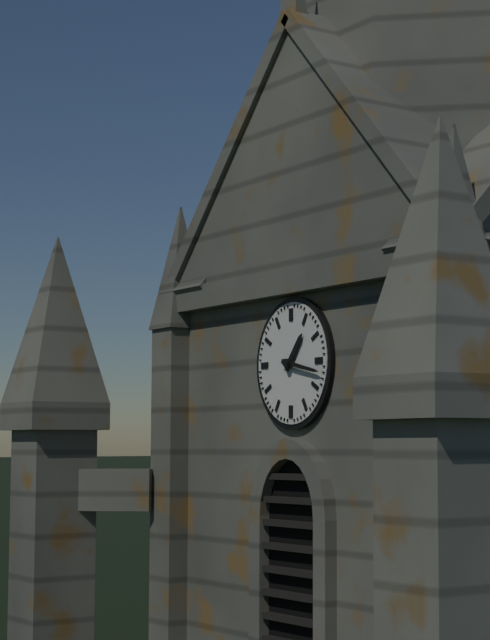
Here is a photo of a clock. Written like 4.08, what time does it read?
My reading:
1.17
